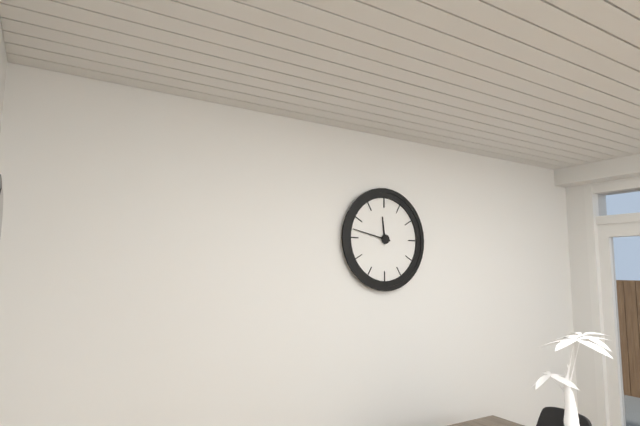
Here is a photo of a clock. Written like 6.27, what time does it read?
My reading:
11.47
